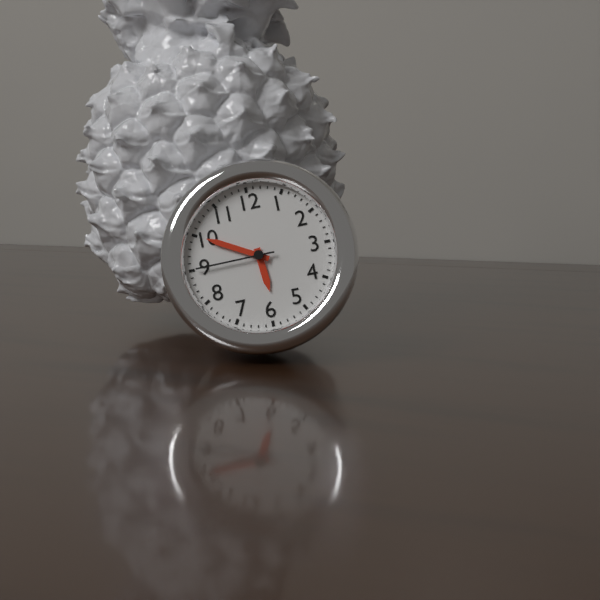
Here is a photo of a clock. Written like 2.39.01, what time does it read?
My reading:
5.50.45
